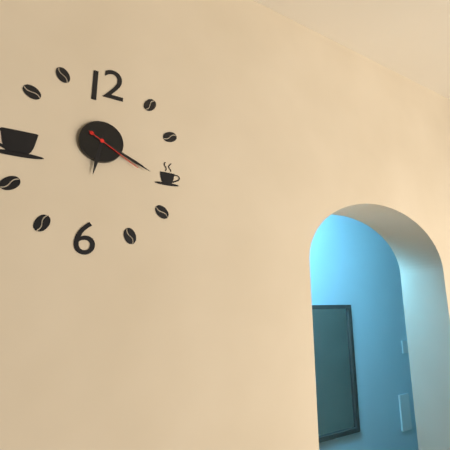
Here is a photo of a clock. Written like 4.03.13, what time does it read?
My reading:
6.19.20
